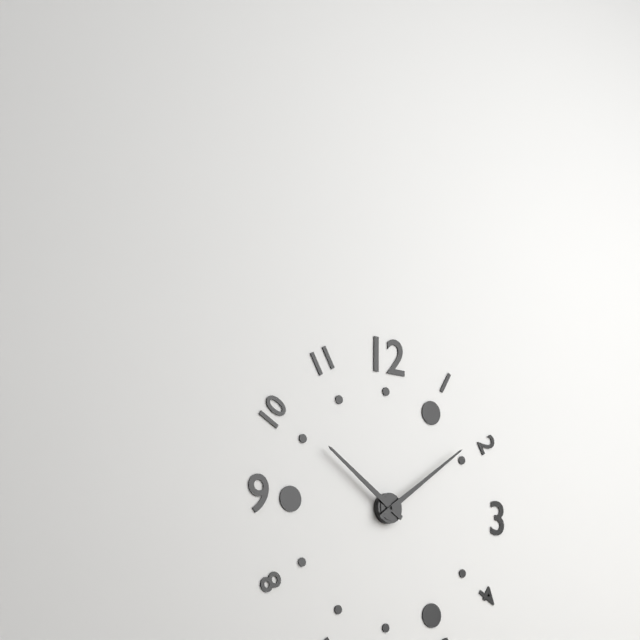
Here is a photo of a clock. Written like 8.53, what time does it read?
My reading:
10.09
